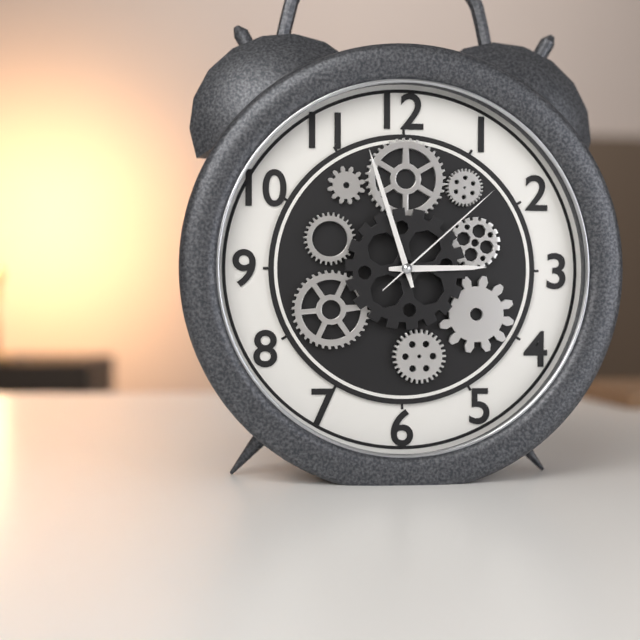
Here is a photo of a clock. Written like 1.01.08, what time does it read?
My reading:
2.57.08
